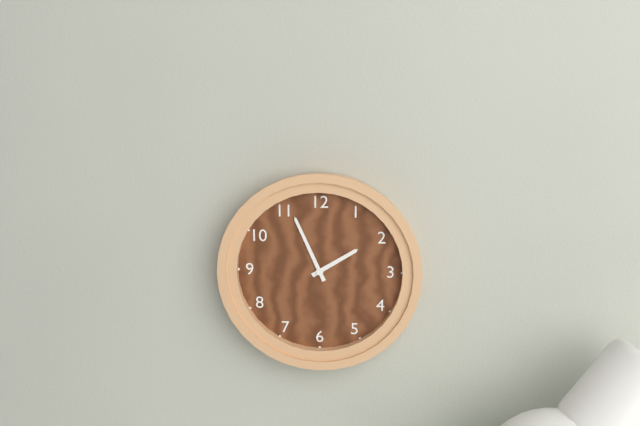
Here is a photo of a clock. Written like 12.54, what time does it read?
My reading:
1.56
